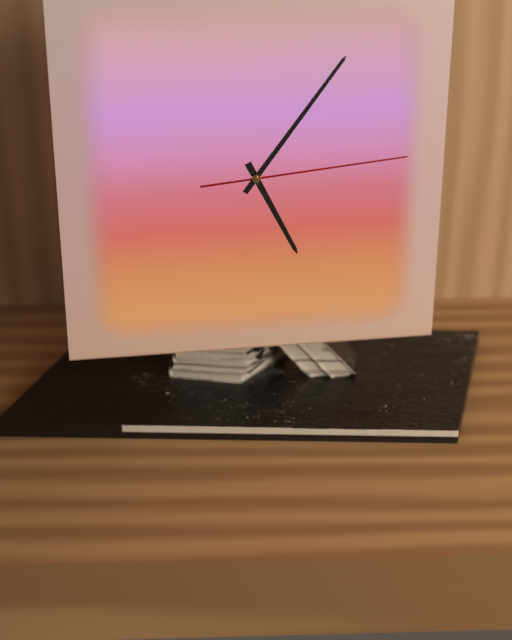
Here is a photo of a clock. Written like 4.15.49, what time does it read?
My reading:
5.06.14
